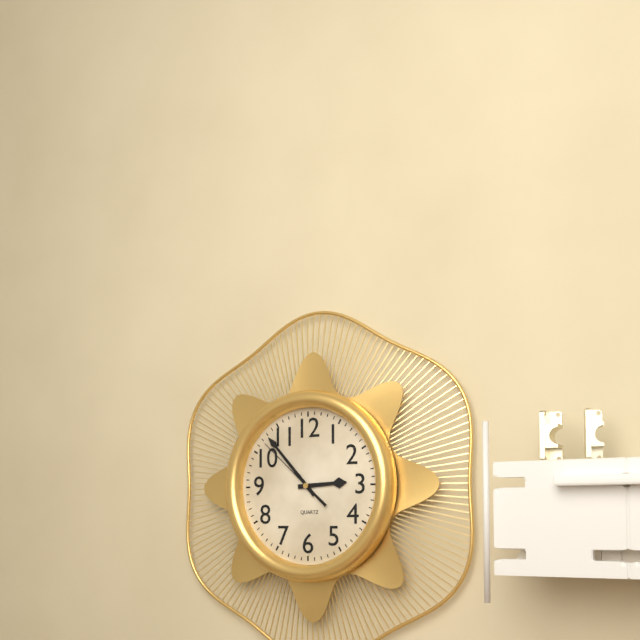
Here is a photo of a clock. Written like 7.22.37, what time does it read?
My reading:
2.53.52
